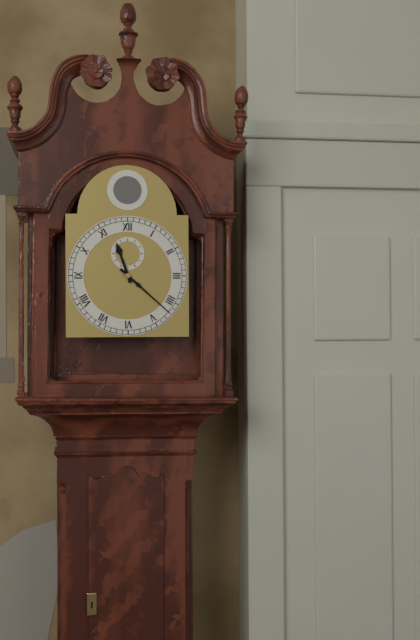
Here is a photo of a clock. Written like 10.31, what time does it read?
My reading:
11.22
